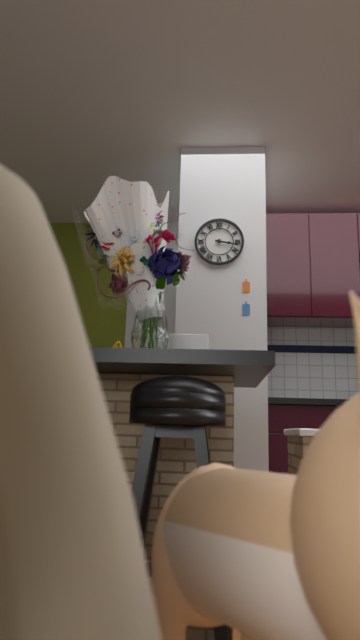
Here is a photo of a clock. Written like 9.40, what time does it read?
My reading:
3.17
